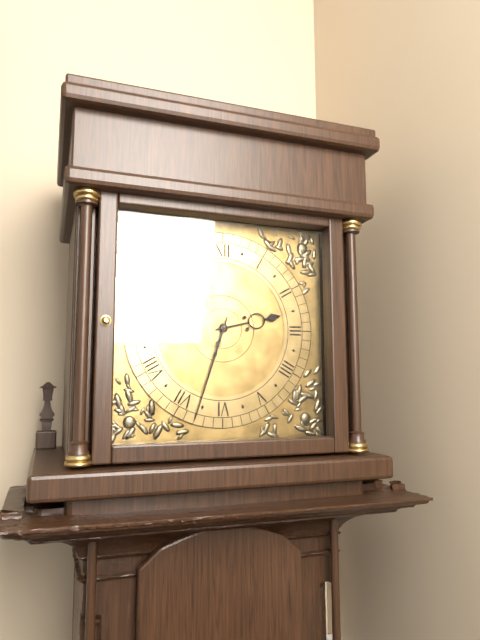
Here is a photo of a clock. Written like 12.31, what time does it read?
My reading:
2.33
